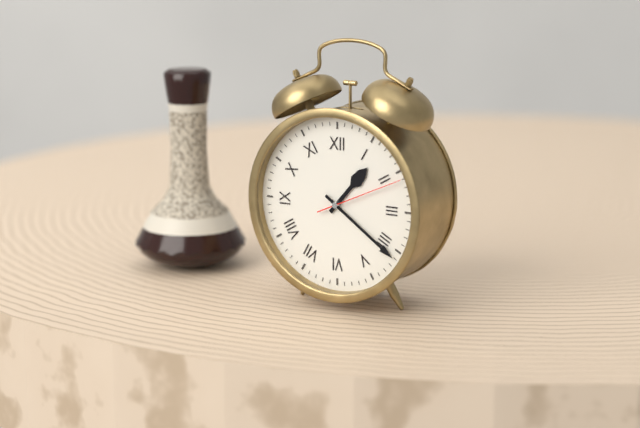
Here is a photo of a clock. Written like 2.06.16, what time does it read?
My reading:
1.21.11
